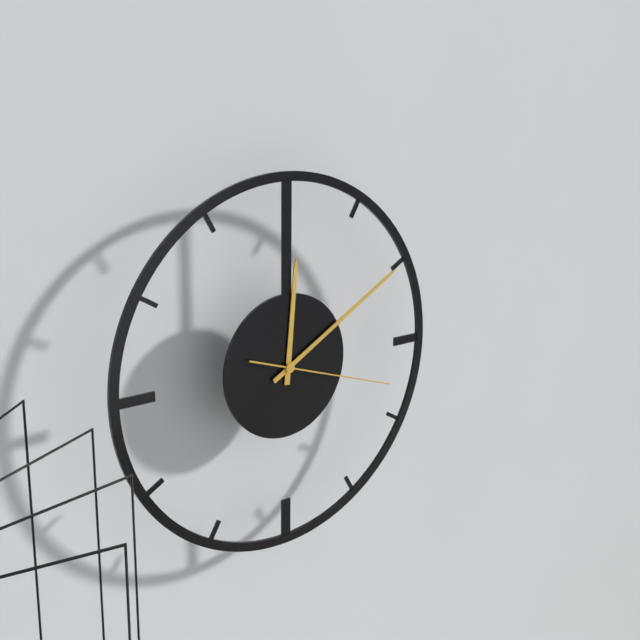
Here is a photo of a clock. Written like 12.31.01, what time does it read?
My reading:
12.10.18
